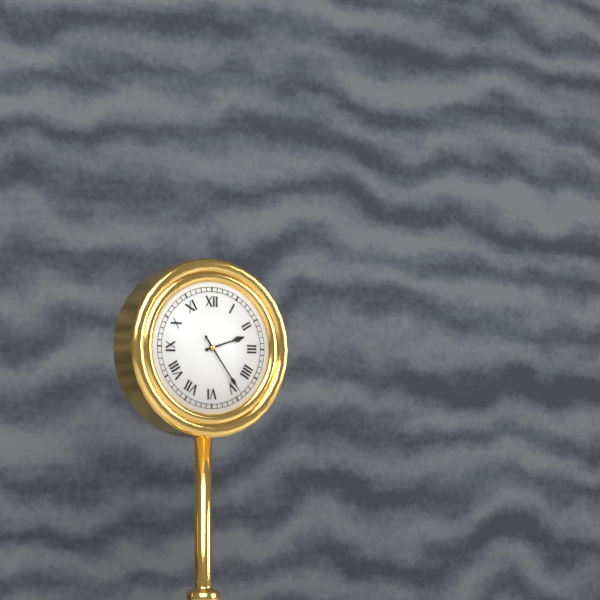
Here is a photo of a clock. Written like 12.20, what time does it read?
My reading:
2.24
